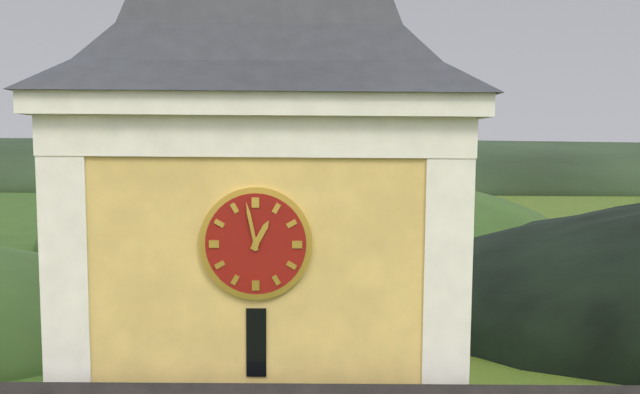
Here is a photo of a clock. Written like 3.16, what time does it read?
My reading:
12.58
